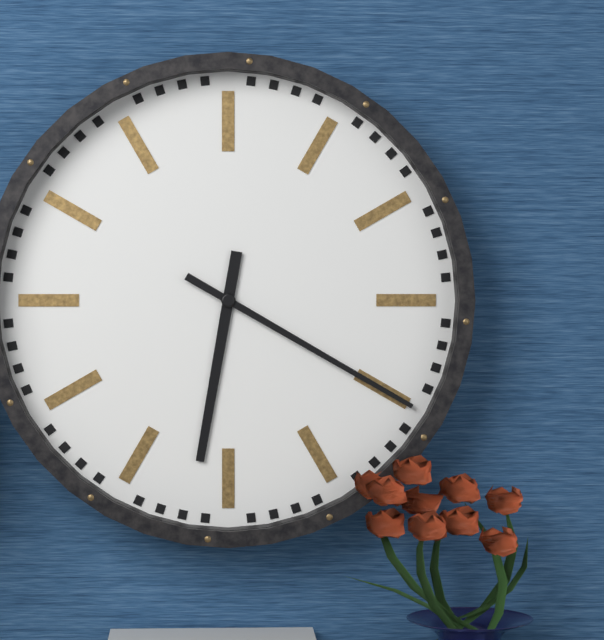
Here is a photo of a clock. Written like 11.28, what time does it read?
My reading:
6.20
